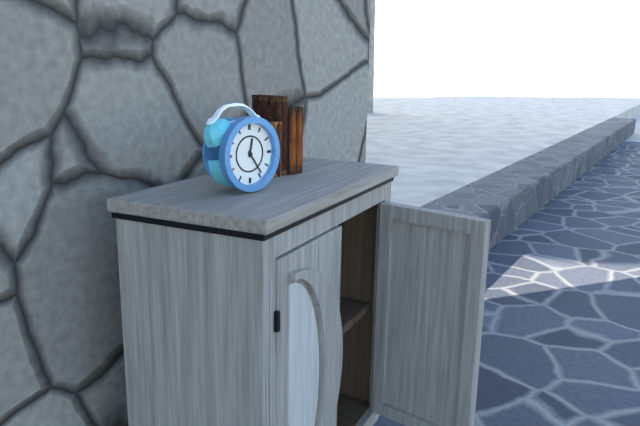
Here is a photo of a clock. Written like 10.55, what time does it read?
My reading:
12.24
